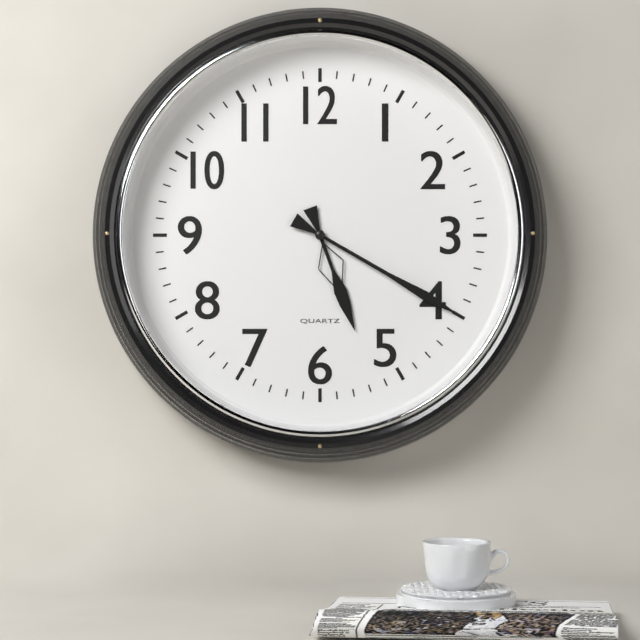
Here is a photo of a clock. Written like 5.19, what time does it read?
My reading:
5.20
